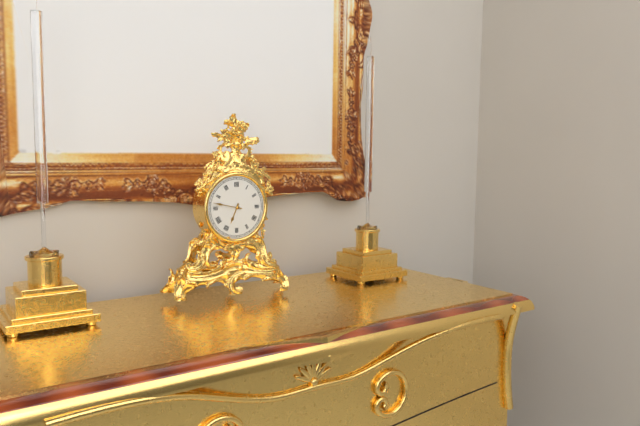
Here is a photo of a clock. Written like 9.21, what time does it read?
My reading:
6.47
